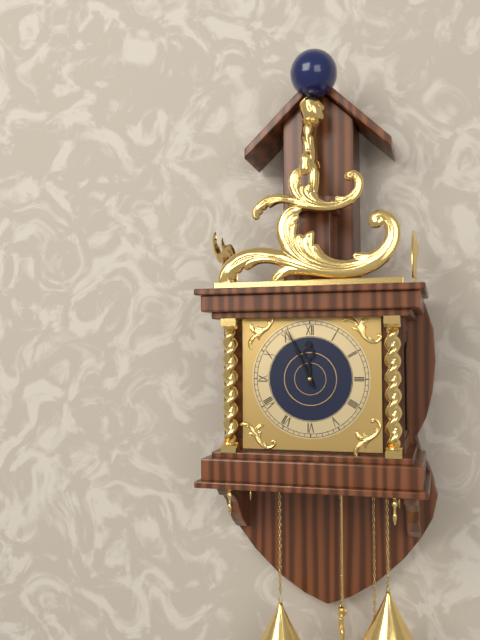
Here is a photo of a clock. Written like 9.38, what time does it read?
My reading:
11.56
